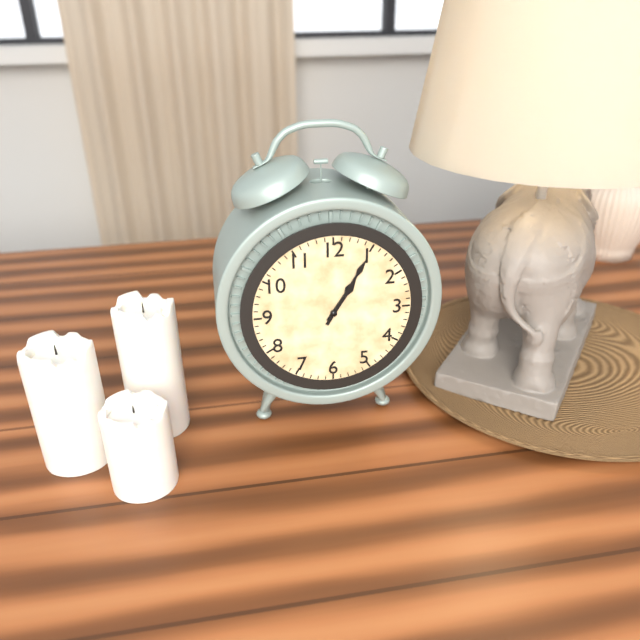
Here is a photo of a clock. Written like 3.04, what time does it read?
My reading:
1.05
